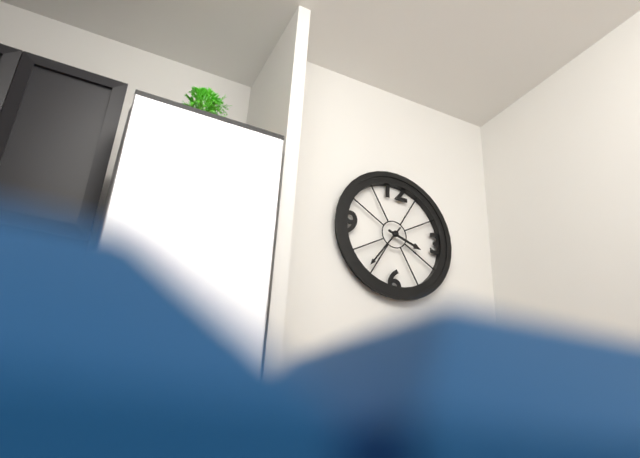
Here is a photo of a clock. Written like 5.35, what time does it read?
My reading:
3.36
